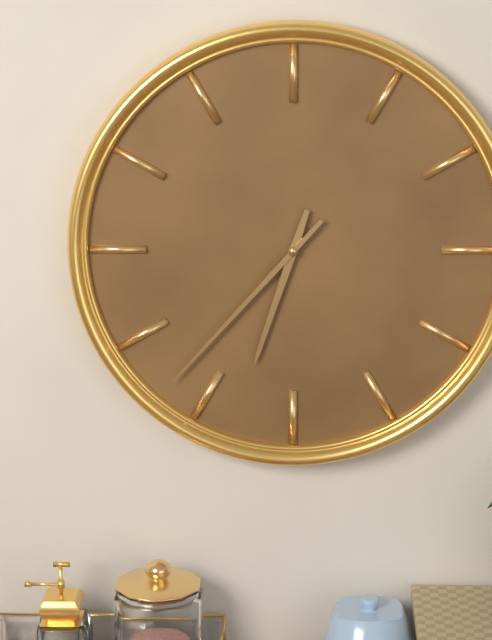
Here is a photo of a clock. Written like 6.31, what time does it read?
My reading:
6.37
